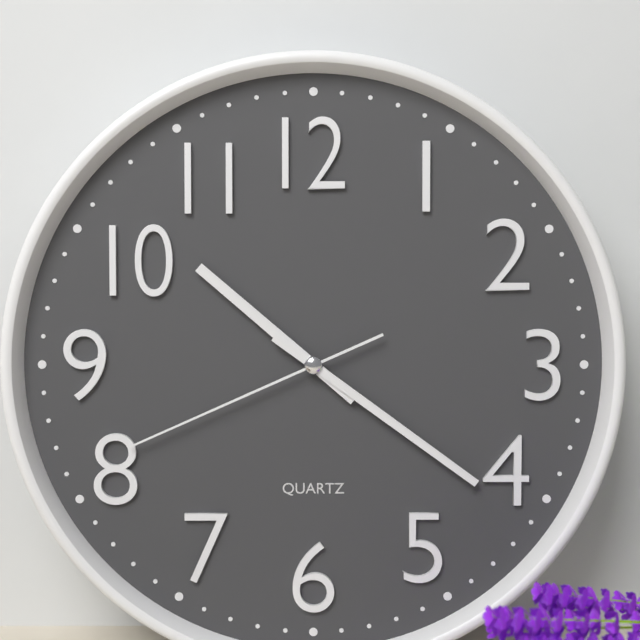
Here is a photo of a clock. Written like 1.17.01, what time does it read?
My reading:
10.21.41
